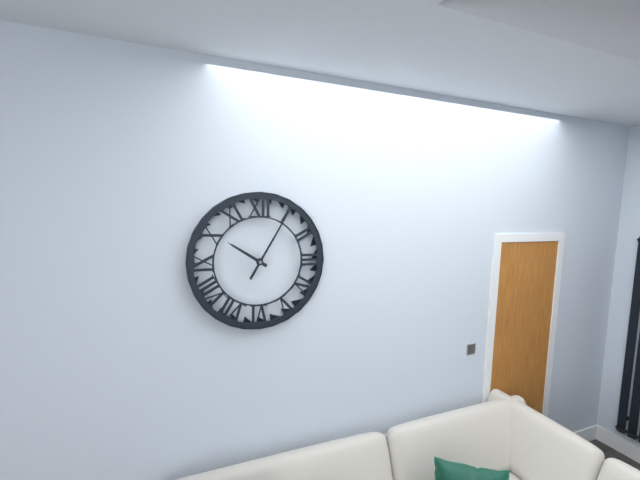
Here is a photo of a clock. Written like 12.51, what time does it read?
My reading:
10.05
